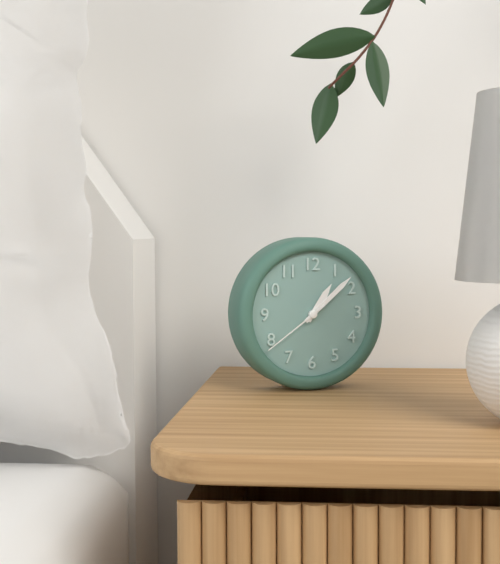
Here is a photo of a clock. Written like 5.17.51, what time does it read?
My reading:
1.08.39
